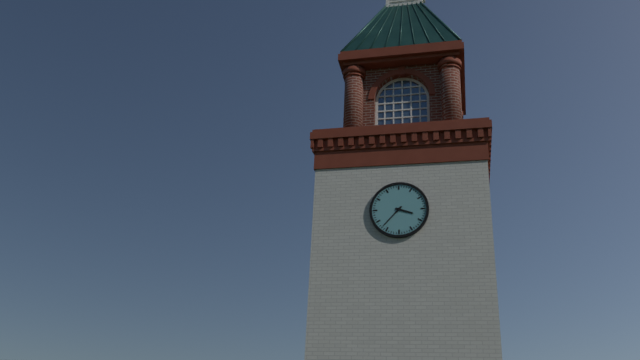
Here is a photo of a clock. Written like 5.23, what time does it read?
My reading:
3.37
